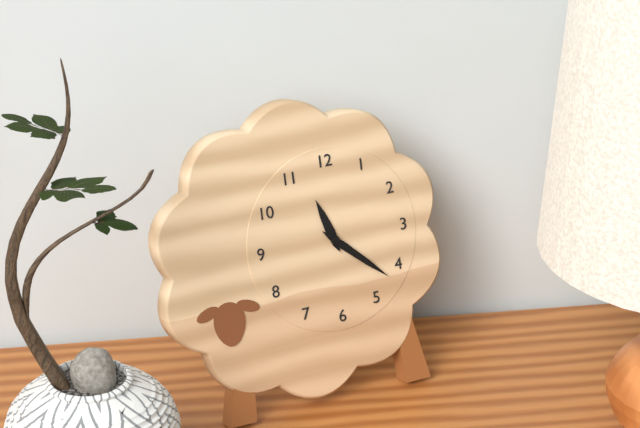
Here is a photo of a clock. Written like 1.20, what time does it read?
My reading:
11.22
